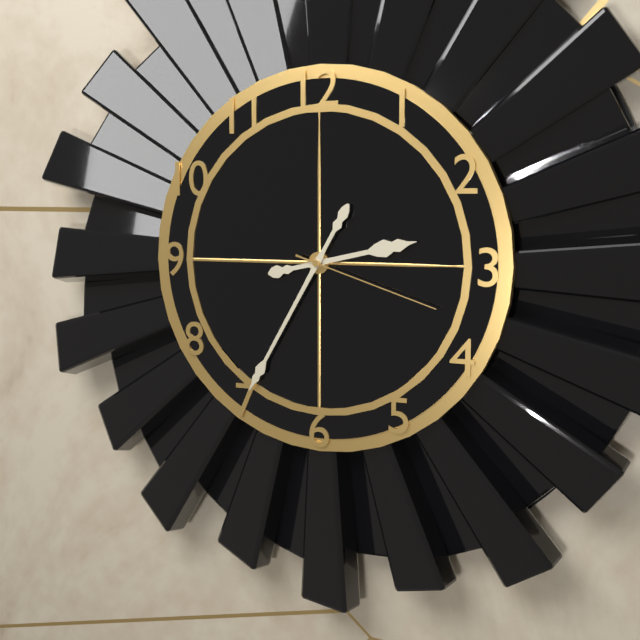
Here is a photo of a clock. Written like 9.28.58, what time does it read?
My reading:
2.35.18
